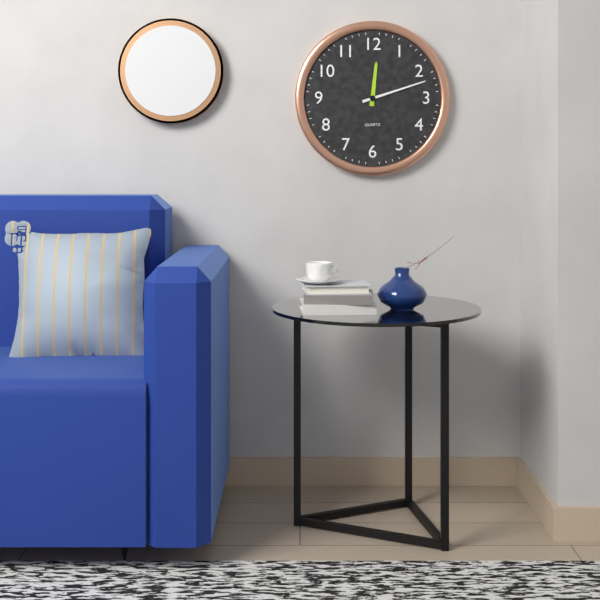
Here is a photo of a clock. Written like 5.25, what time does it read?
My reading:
12.12
